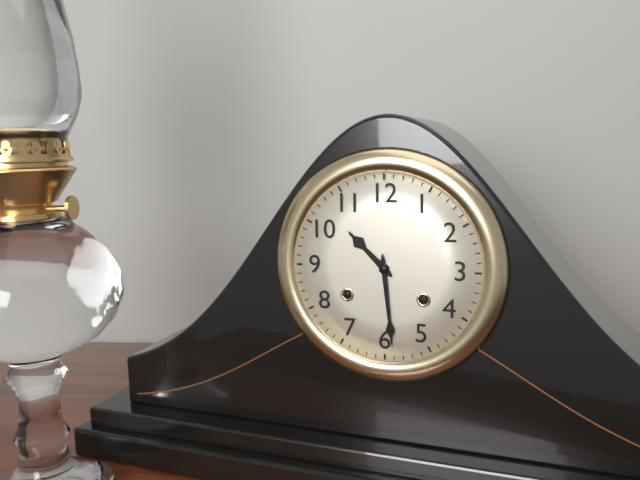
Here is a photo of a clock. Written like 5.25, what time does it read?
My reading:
10.29
